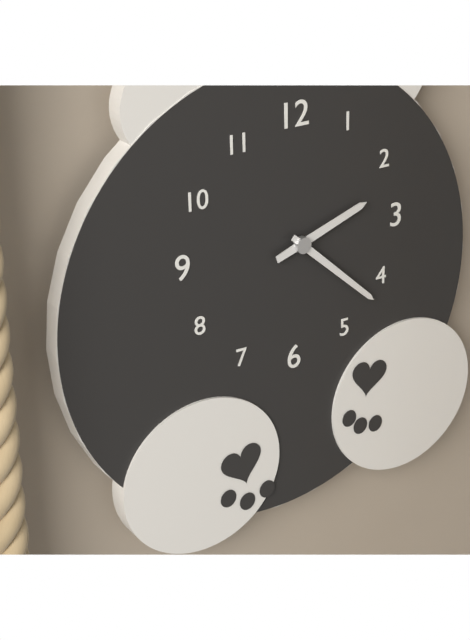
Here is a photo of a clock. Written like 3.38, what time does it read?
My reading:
2.22
